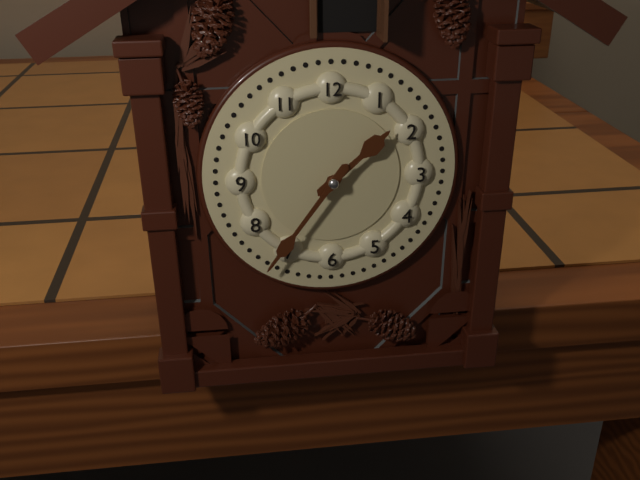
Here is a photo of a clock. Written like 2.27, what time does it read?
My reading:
1.36
